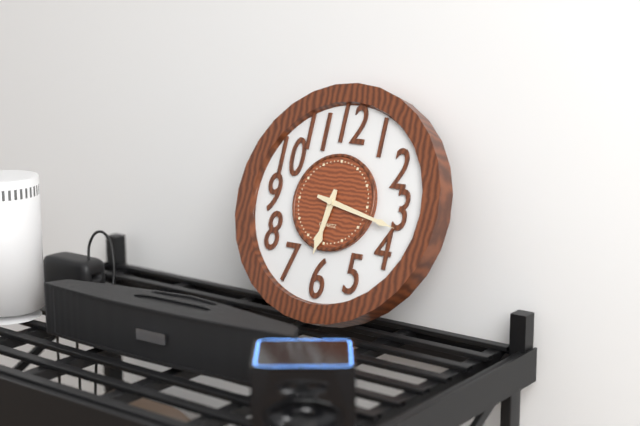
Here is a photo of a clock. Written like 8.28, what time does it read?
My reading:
6.17
